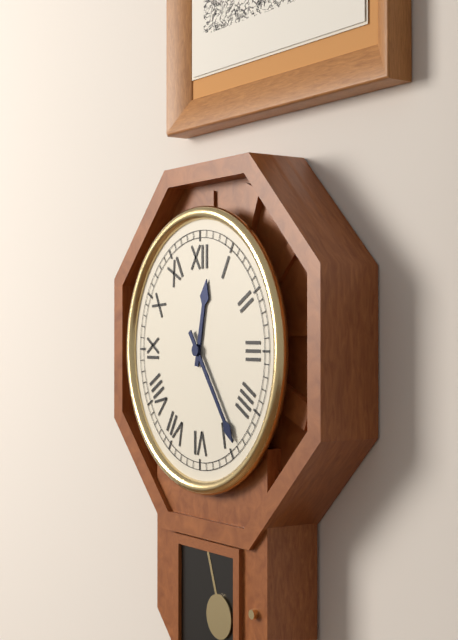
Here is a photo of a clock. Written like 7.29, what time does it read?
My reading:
12.24
